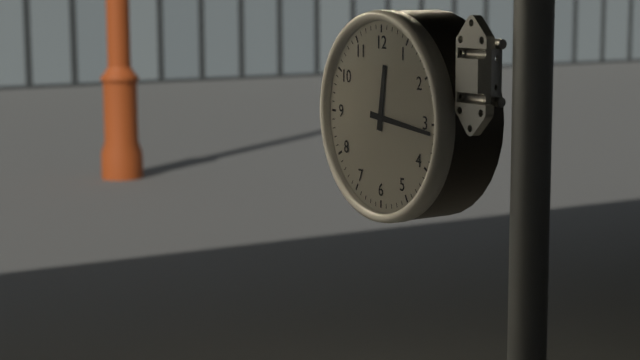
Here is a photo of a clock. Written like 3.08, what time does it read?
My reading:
12.16
